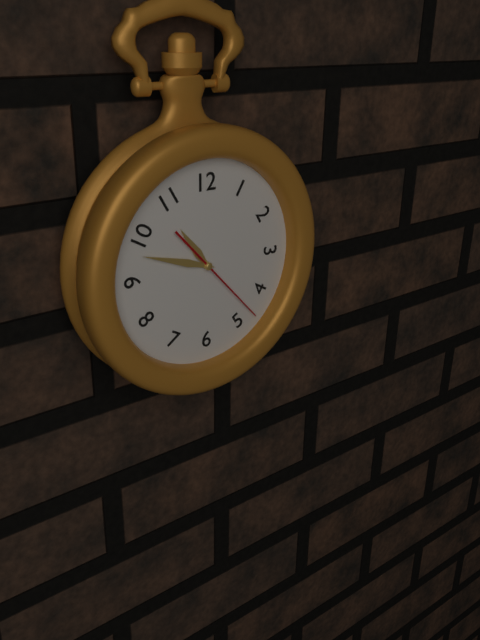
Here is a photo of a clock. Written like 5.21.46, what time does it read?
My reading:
10.48.23
